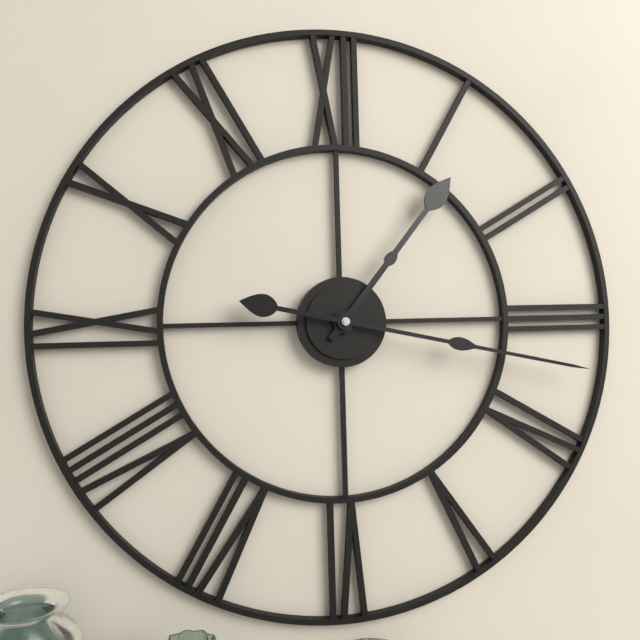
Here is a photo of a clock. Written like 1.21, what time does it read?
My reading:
1.17
